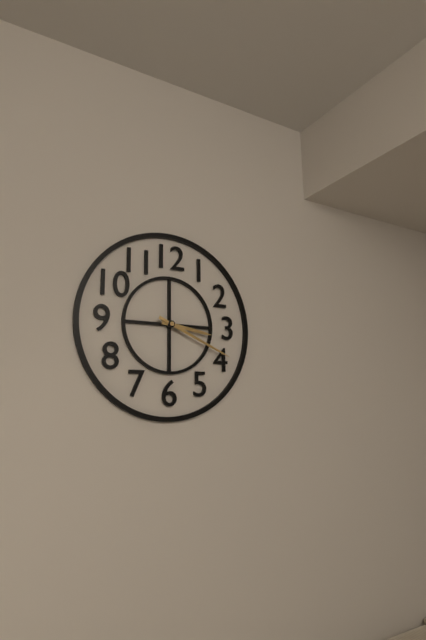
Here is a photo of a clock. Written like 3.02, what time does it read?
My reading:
3.19
